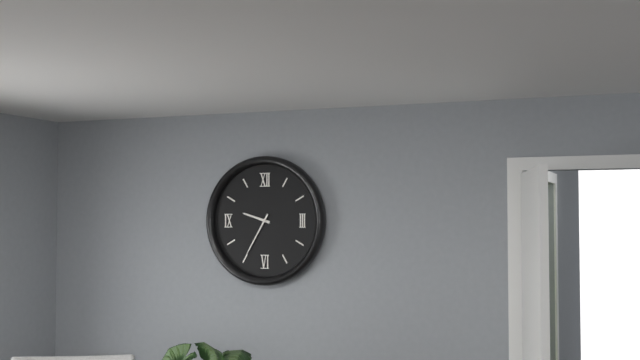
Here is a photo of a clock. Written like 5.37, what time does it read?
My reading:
9.35
